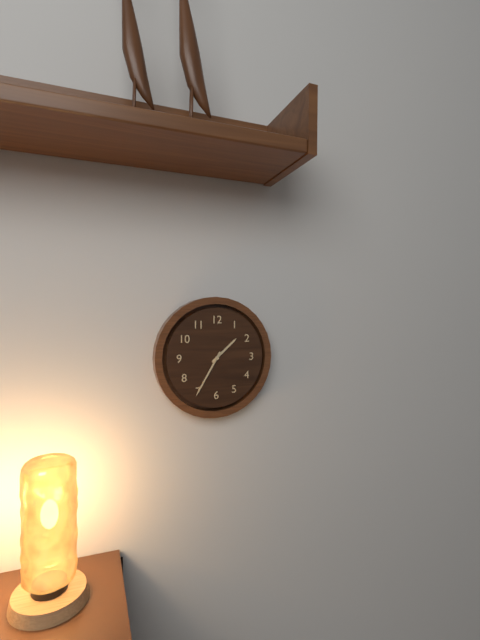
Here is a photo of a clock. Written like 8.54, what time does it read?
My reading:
1.35
